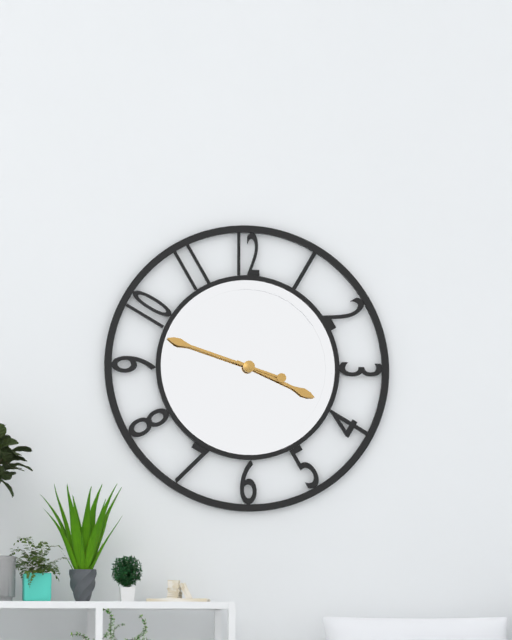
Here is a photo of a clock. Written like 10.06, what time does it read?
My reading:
3.48
